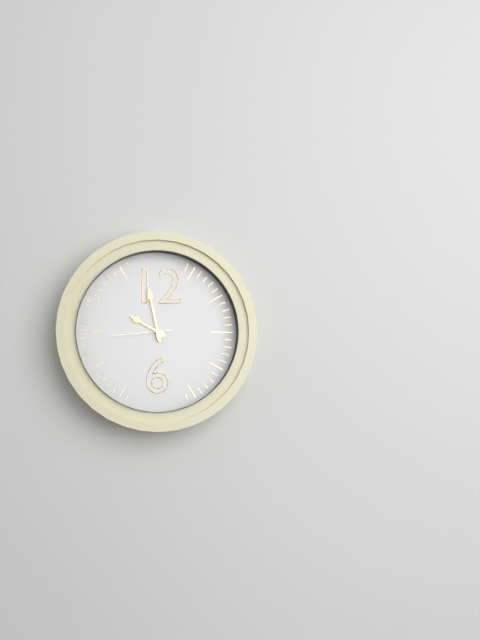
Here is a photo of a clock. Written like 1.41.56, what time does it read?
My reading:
9.58.44
